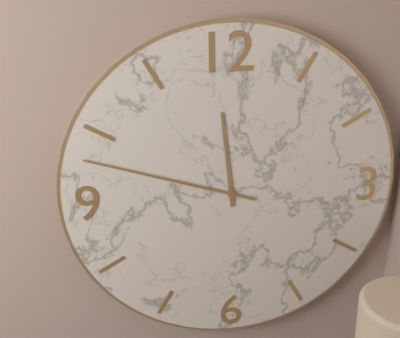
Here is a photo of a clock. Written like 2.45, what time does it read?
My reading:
11.48
